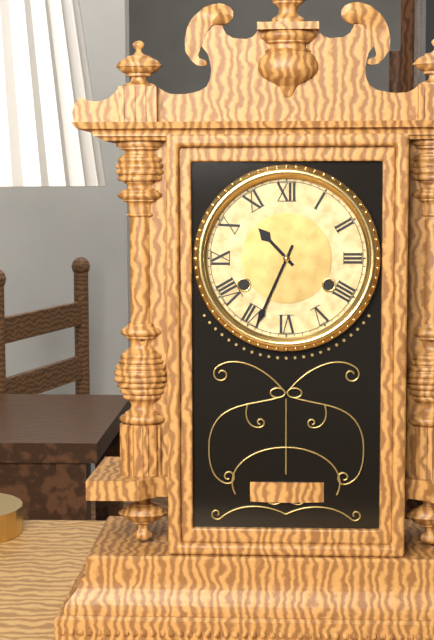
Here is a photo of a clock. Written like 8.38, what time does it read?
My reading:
10.34
